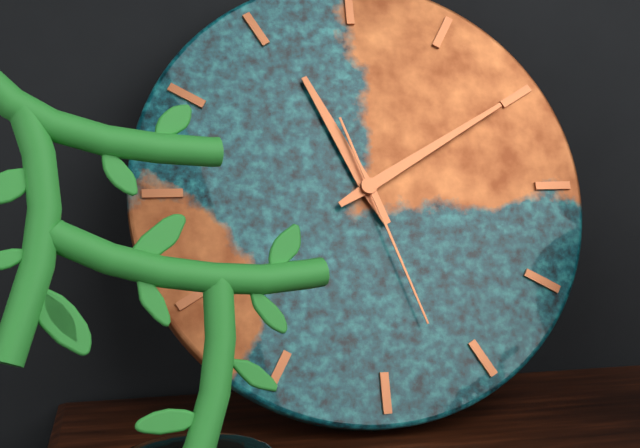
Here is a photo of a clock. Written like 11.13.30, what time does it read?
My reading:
11.10.27
